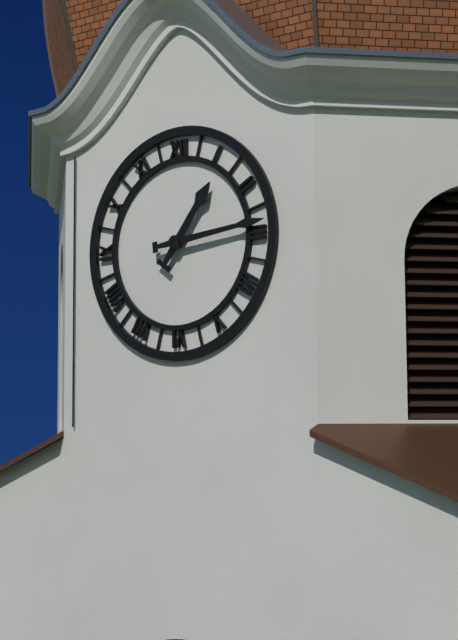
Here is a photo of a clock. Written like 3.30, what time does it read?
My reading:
1.14
